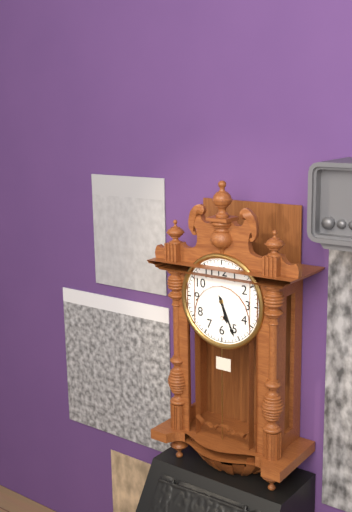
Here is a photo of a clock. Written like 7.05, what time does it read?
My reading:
5.26
